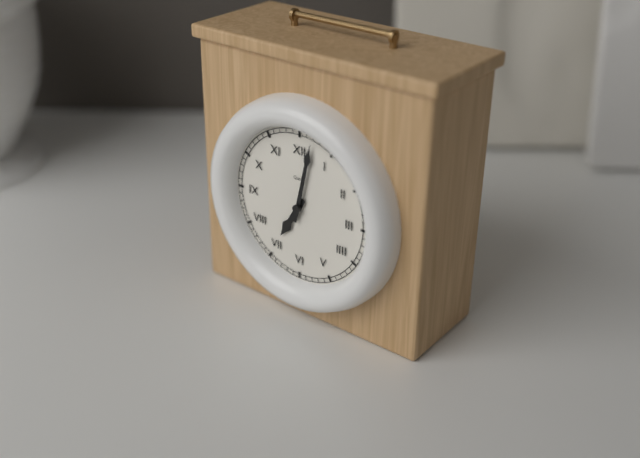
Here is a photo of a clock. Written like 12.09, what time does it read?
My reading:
7.02
